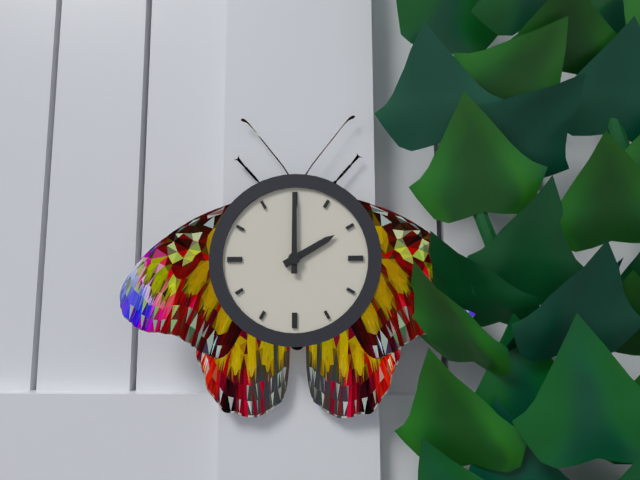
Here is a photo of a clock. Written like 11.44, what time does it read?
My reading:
2.00
